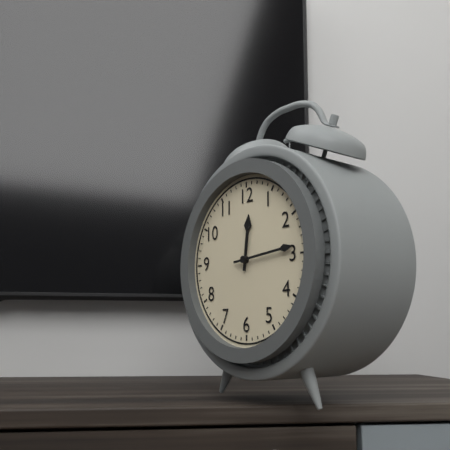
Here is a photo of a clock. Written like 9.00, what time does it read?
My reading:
12.14
